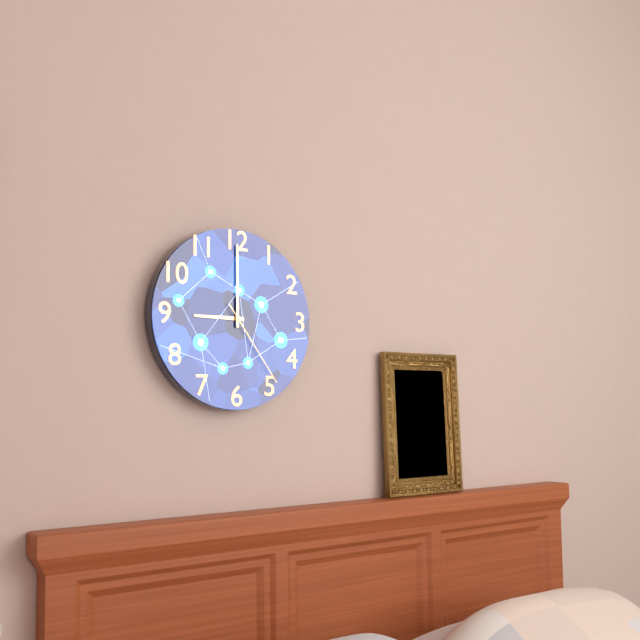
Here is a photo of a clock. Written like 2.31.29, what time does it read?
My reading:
9.00.24
